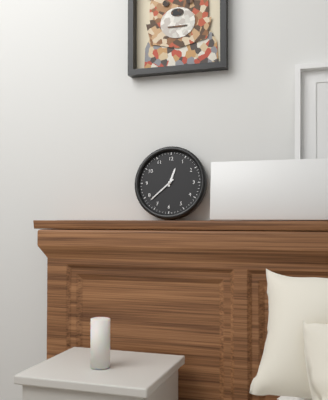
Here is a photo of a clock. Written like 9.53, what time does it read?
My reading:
12.38
